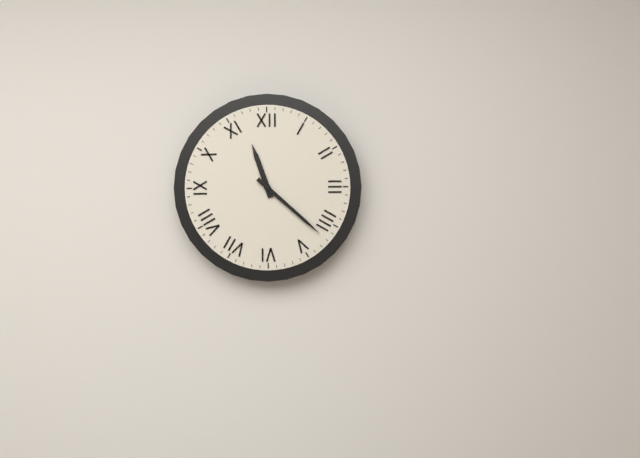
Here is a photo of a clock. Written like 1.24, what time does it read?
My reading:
11.22
